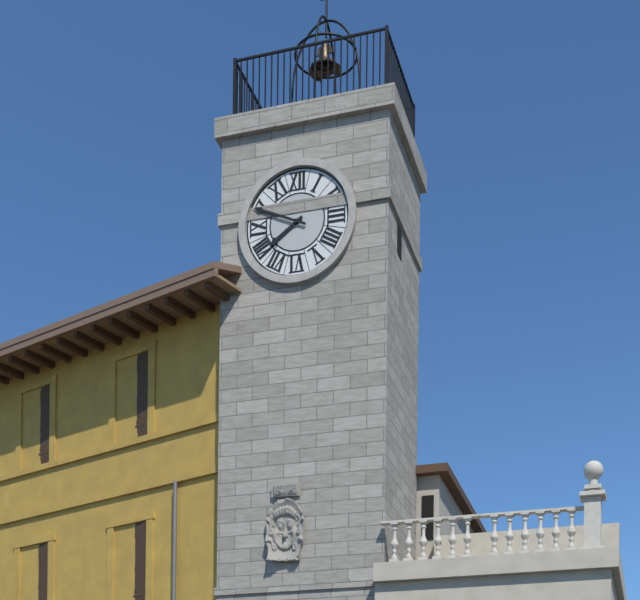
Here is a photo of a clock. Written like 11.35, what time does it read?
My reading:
7.49
